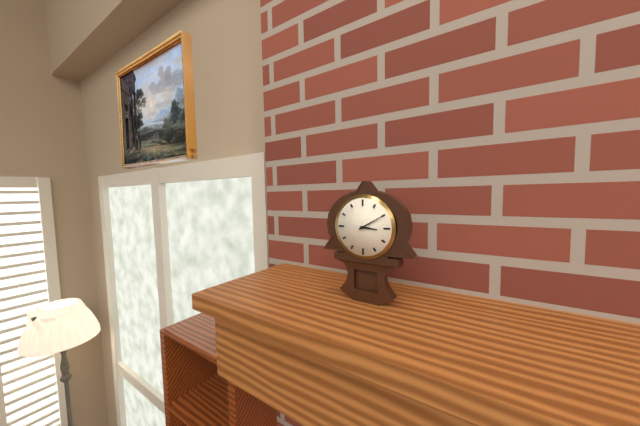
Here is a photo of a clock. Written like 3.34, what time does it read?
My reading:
3.10
